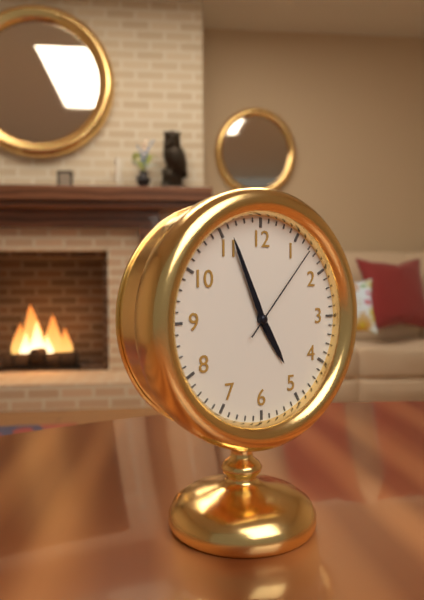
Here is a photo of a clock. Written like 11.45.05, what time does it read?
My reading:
4.56.07
